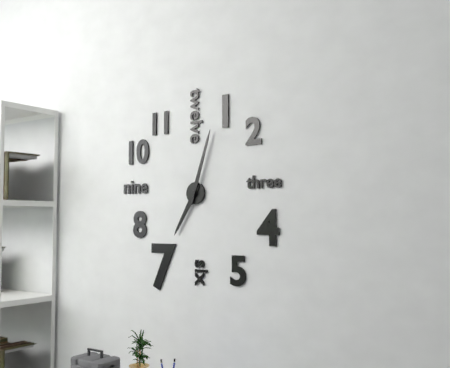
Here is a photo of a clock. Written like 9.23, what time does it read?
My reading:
7.03
